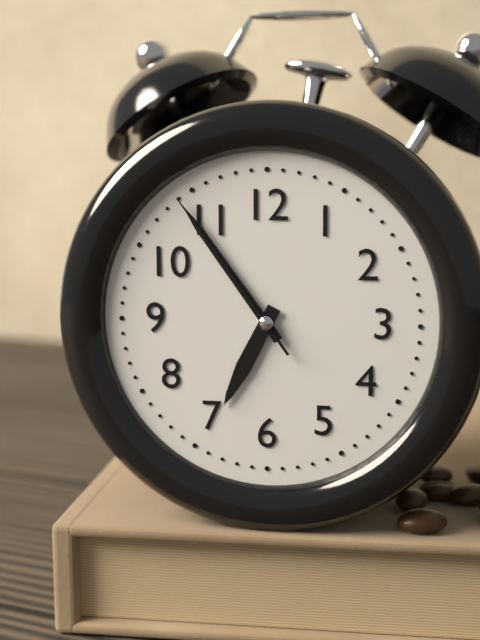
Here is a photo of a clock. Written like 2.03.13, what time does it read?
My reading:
6.54.54
